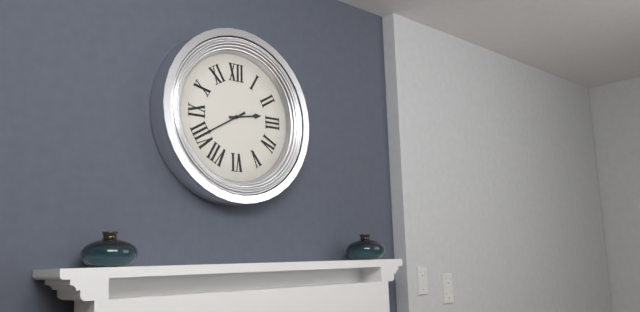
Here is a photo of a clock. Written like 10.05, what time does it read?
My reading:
2.40
